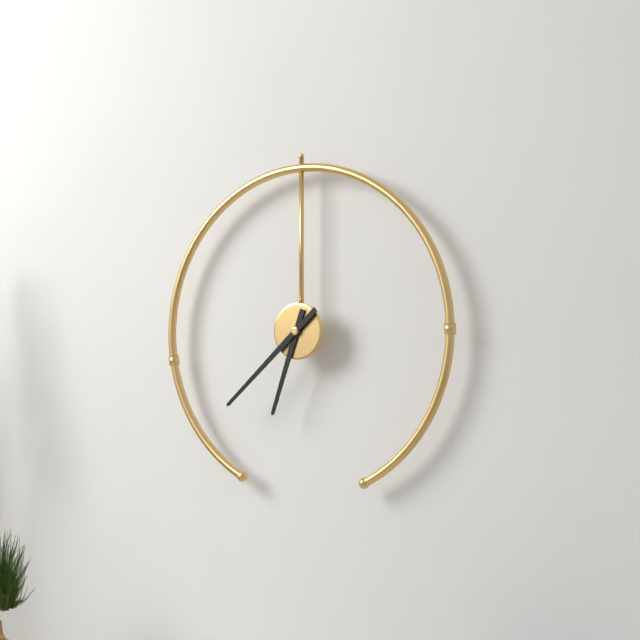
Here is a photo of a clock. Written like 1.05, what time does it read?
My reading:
6.38
